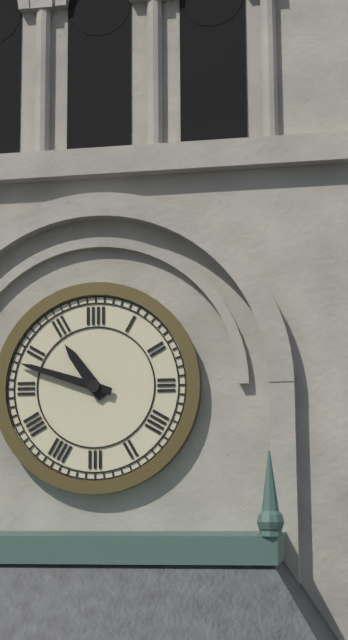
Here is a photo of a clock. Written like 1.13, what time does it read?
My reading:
10.48
